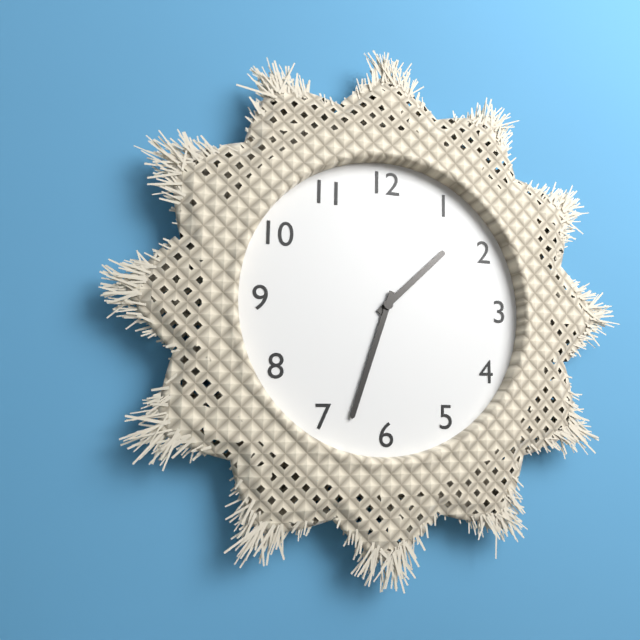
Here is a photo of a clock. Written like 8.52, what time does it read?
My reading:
1.33
